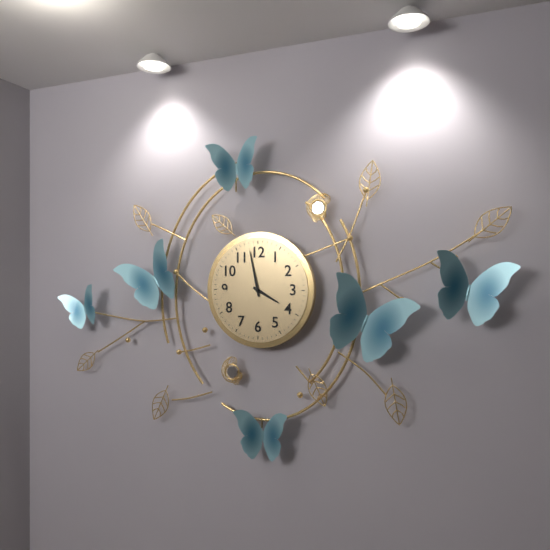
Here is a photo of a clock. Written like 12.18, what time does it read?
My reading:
3.58
